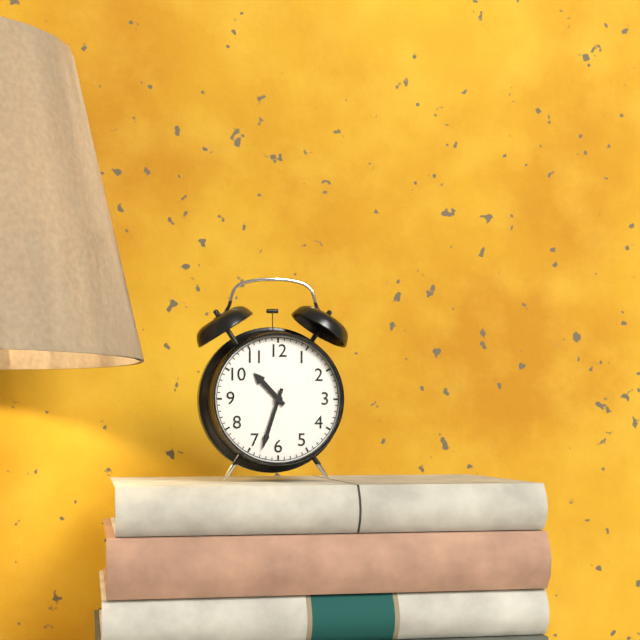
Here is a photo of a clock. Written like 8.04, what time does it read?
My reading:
10.33
